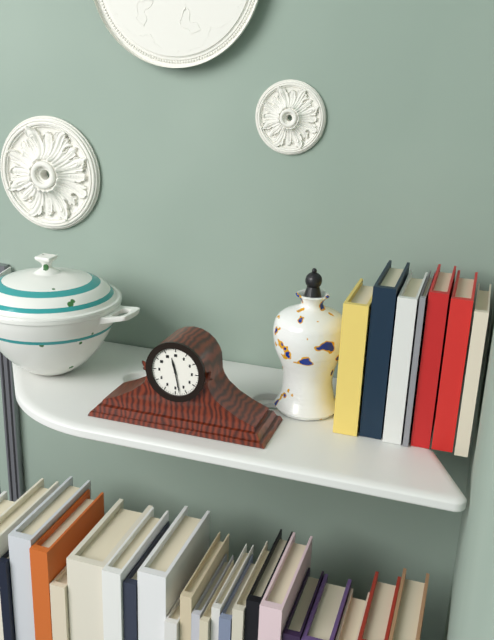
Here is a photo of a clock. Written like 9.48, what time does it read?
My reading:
11.28
